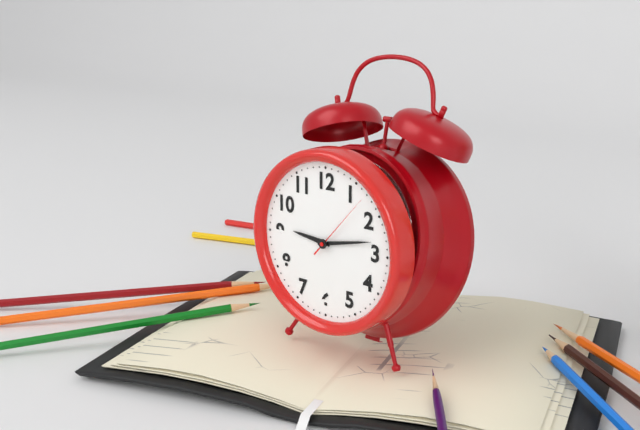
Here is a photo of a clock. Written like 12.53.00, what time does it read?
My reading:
9.13.07
